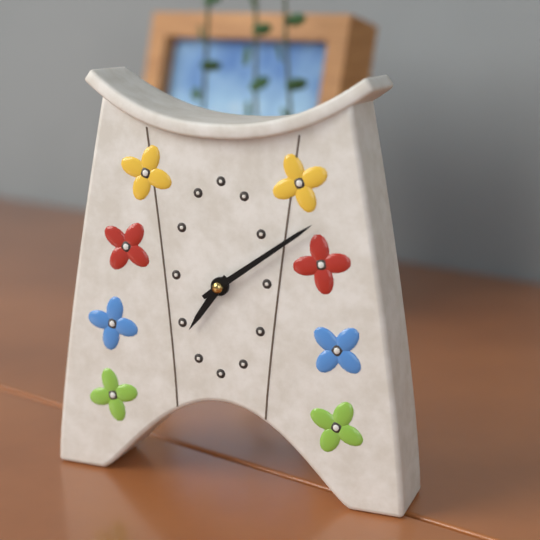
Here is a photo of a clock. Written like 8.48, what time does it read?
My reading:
7.09
